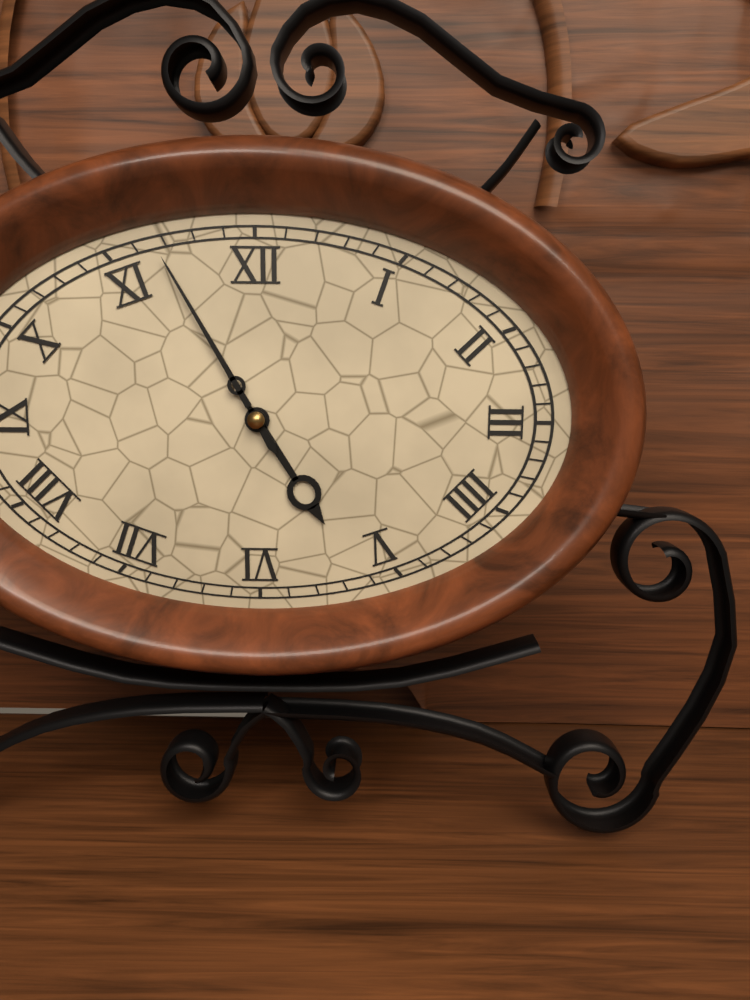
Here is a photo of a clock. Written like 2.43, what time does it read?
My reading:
4.55
